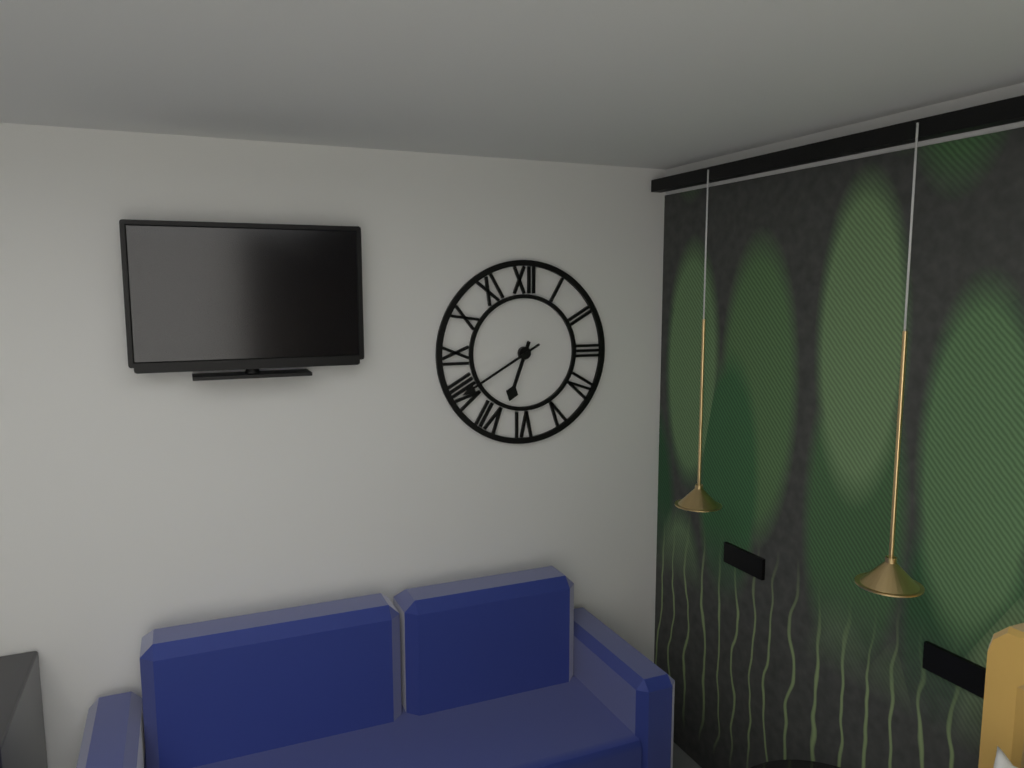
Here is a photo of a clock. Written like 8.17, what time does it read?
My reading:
6.40
